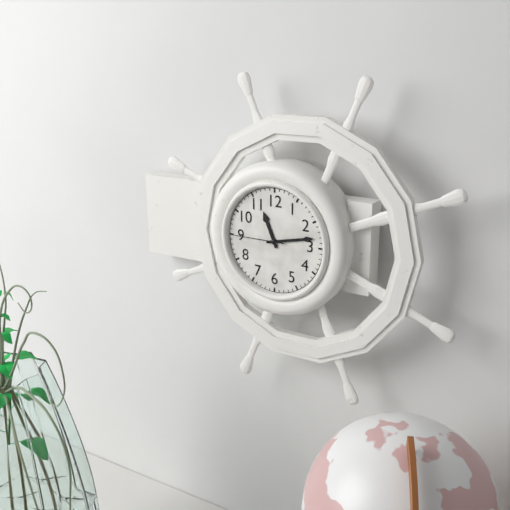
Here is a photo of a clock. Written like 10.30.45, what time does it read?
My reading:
11.13.45
